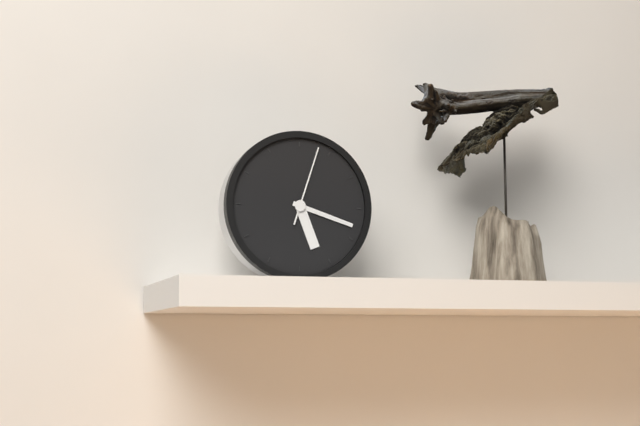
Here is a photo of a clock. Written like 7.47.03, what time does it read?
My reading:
5.18.03
